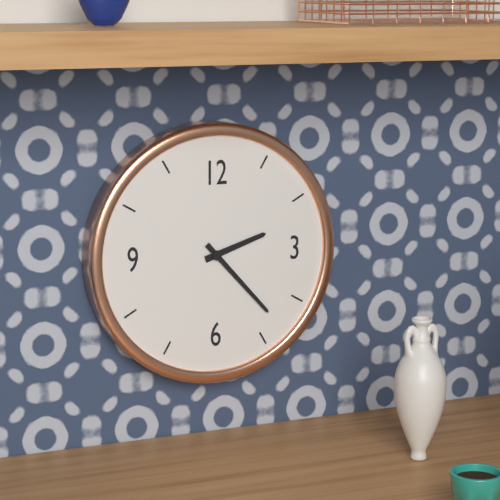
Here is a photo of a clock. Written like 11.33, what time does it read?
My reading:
2.23
